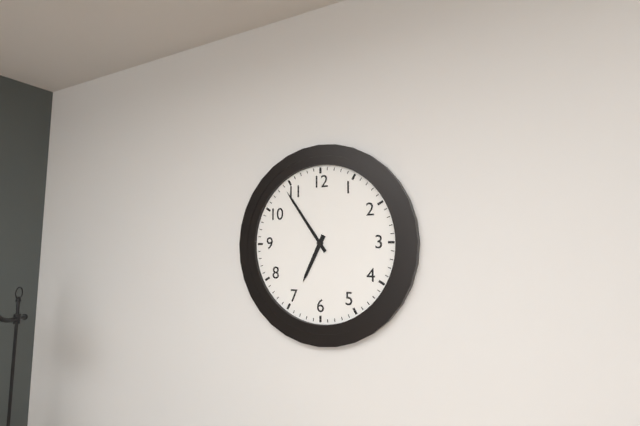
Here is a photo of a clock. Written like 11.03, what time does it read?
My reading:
6.54
